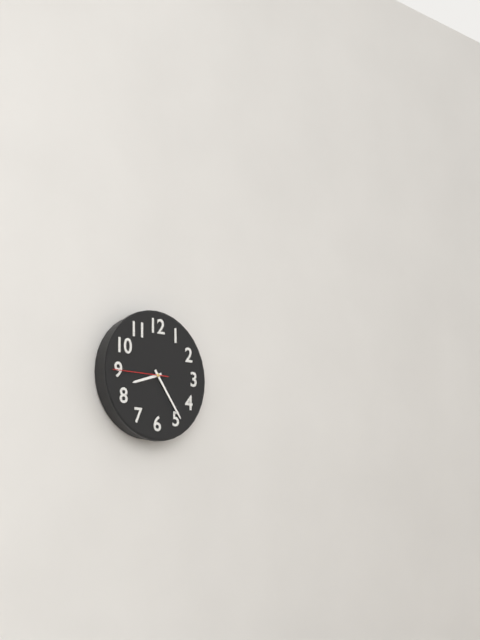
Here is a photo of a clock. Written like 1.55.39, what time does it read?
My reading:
8.24.45
